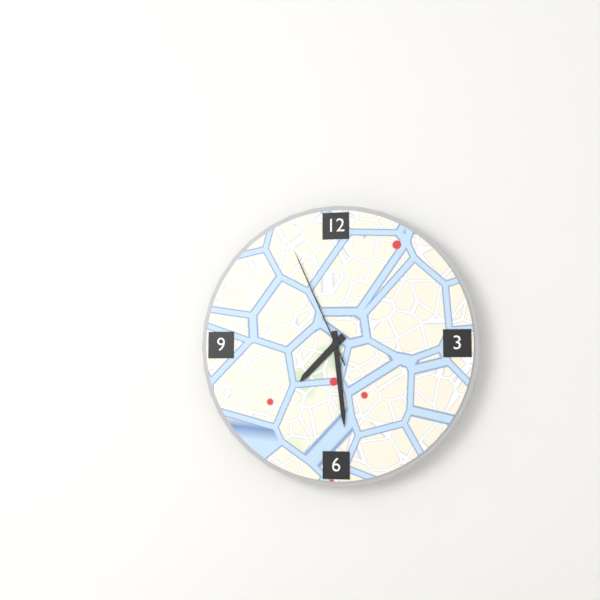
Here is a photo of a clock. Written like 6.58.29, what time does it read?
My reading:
7.29.56
